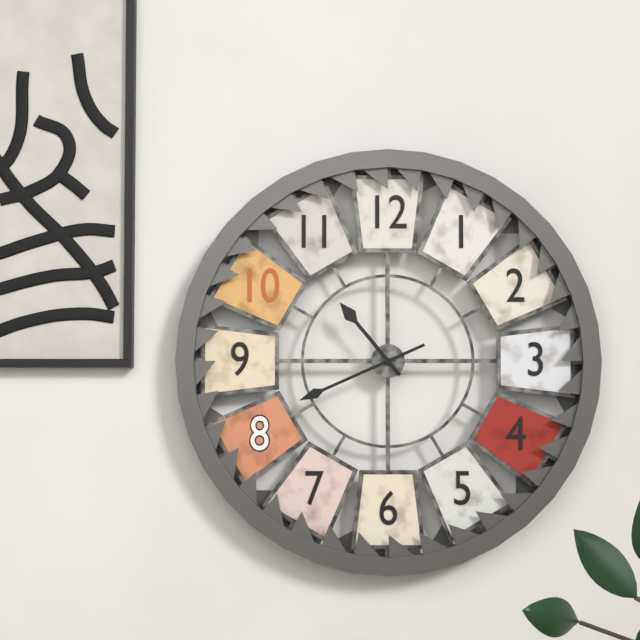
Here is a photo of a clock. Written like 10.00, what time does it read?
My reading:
10.41
